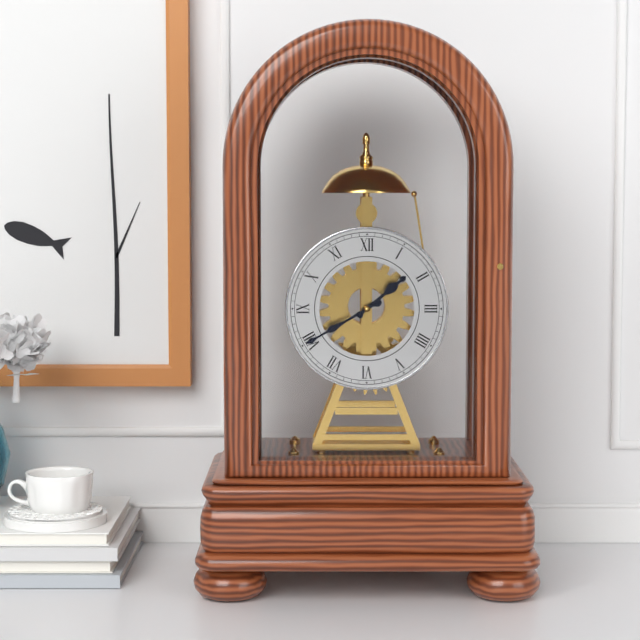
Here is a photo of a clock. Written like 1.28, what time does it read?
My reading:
1.40
